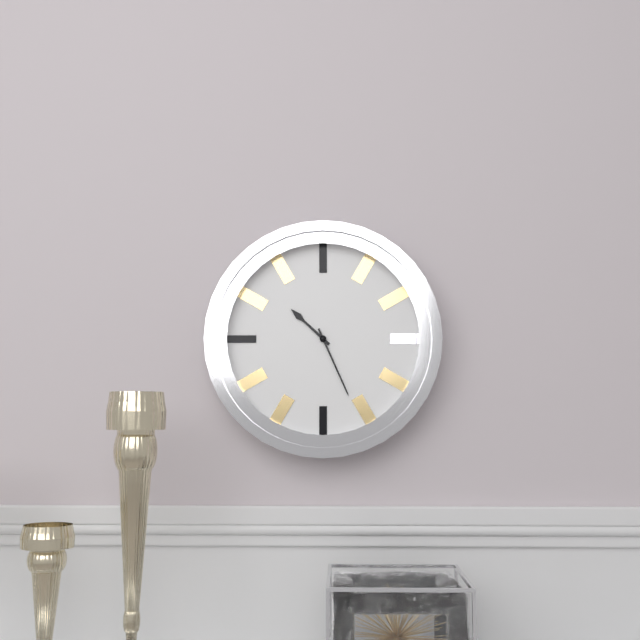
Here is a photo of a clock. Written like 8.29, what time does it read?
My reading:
10.26
